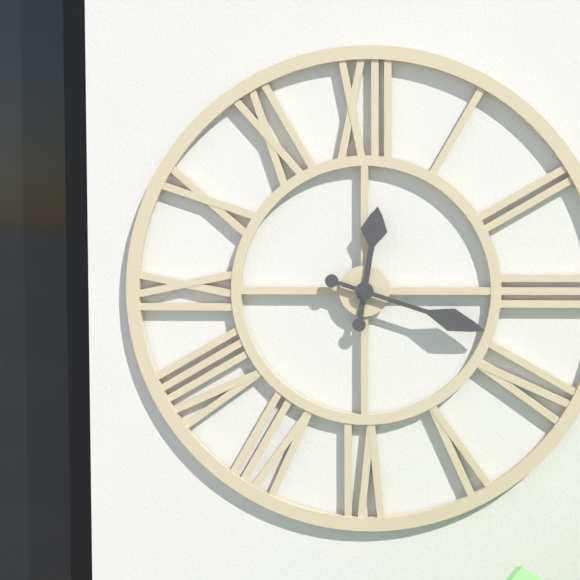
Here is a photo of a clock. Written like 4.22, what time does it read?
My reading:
12.18
